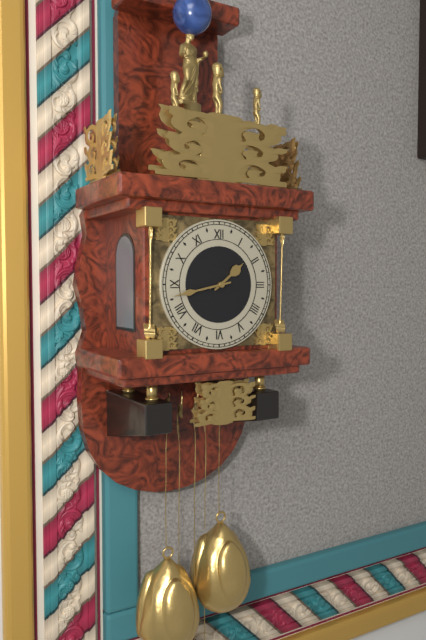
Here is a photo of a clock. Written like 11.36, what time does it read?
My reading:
1.43
